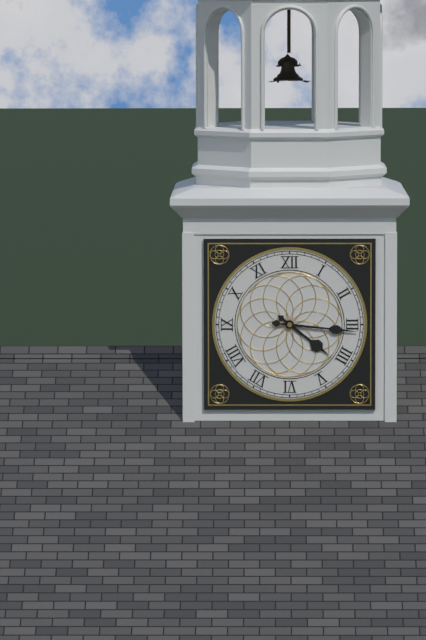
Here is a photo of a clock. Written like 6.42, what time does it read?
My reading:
4.16
